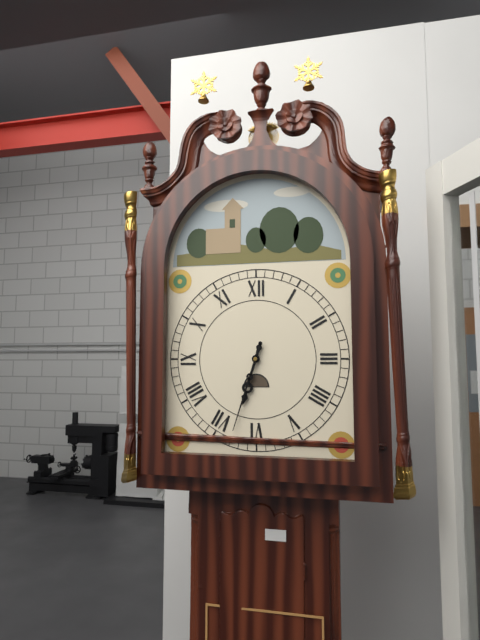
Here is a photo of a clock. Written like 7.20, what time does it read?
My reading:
6.33
